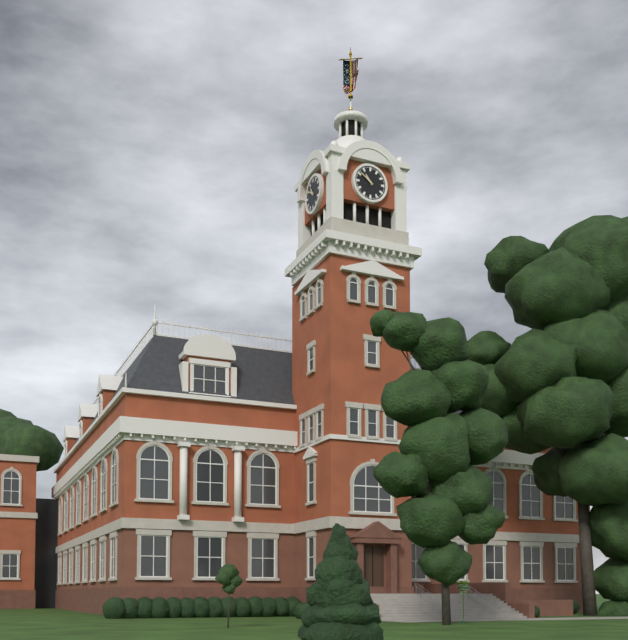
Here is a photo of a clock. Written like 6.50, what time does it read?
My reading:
10.51
